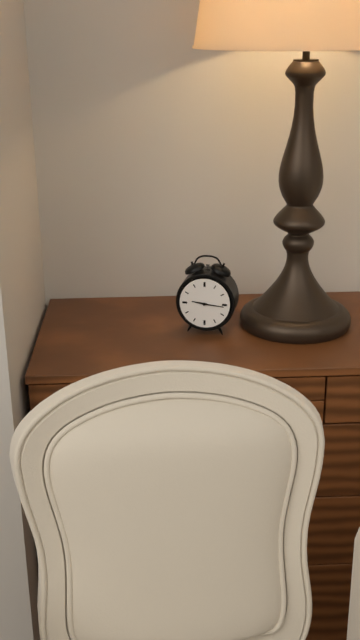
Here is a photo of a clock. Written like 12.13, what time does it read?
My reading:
9.16
